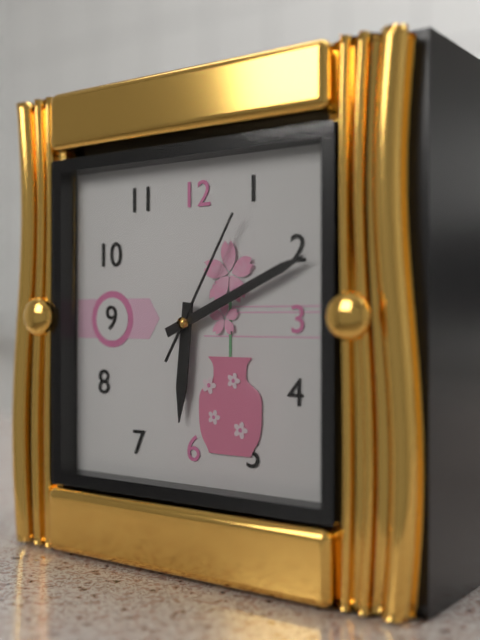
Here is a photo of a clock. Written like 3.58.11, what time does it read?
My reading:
6.11.05
